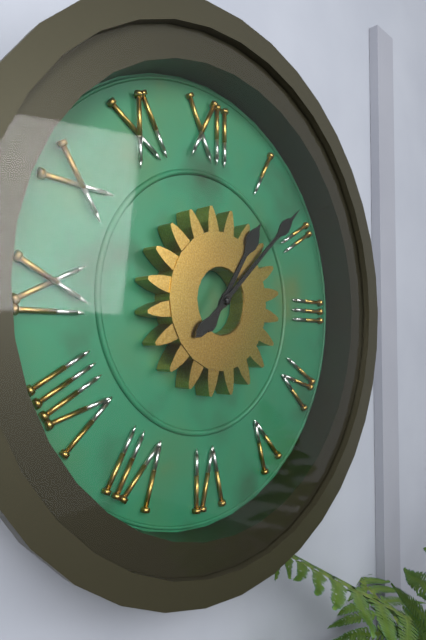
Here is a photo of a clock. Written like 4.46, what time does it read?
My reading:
1.08
